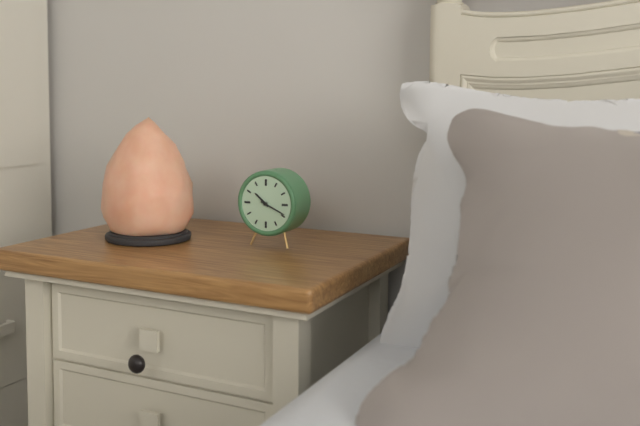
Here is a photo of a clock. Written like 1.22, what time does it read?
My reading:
10.19
